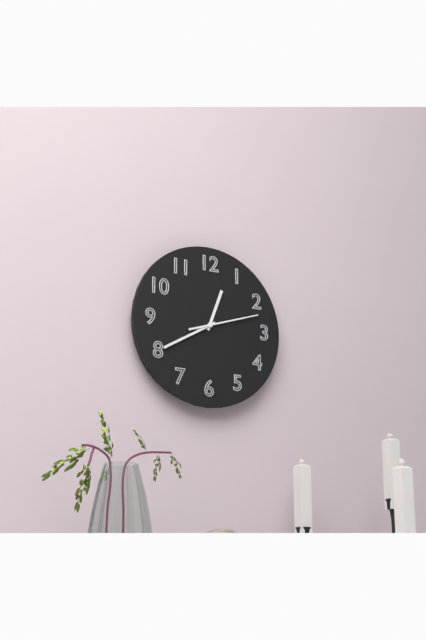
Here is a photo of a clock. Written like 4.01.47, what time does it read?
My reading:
12.40.12
